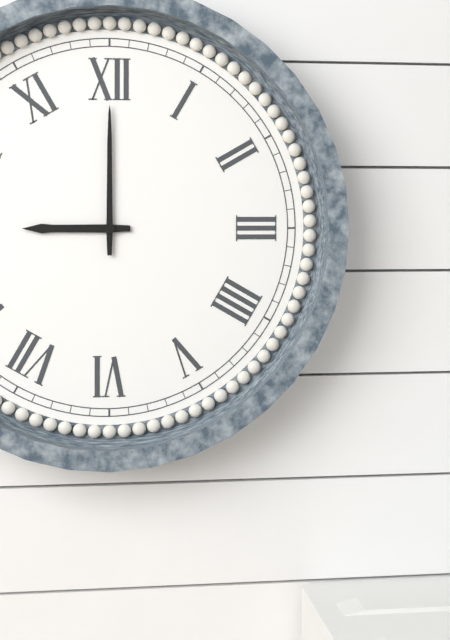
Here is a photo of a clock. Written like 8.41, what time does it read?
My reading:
9.00
